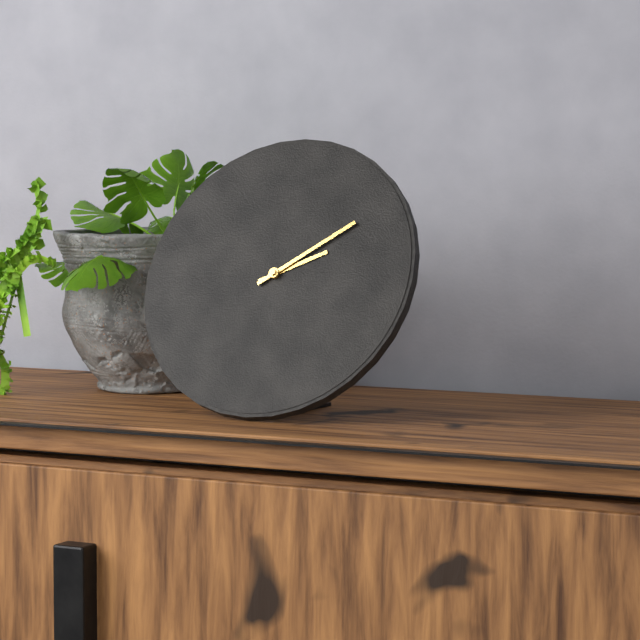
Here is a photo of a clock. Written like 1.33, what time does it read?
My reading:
2.09
